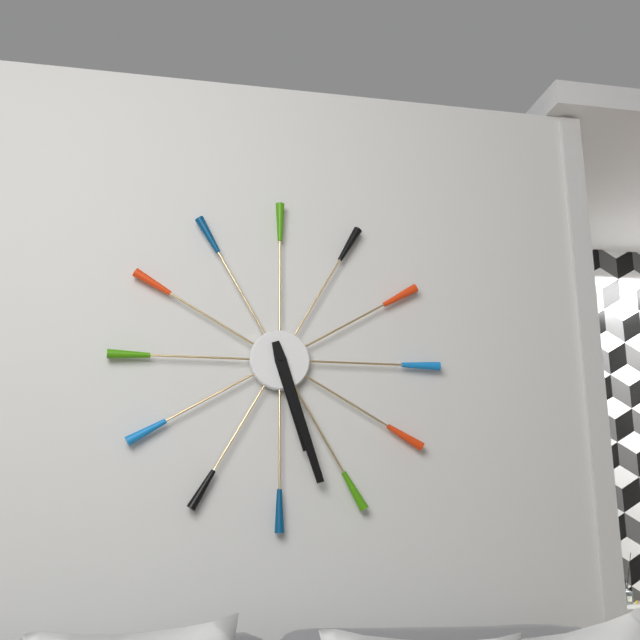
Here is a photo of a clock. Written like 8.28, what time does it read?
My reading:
5.27
